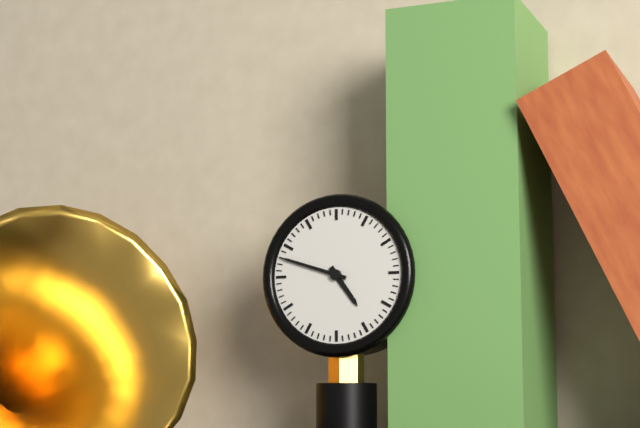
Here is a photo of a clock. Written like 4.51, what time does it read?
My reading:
4.48
